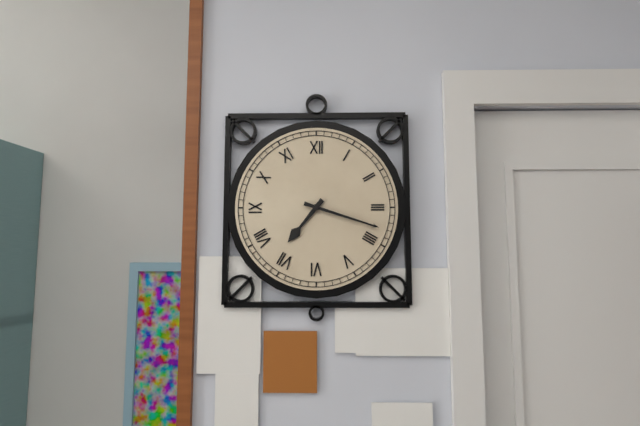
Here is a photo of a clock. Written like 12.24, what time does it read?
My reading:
7.18
